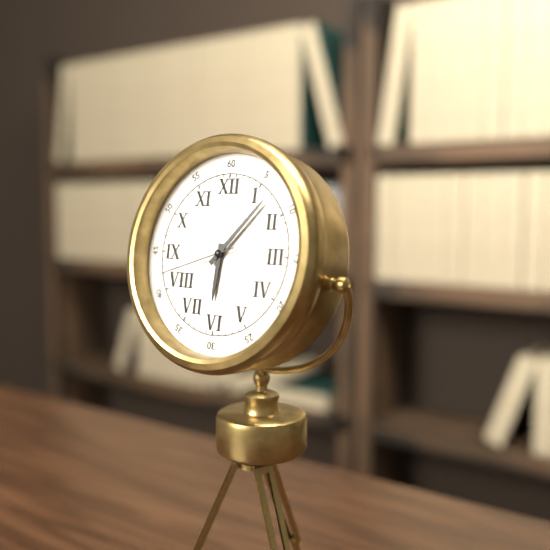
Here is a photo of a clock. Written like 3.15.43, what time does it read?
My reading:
6.07.42
